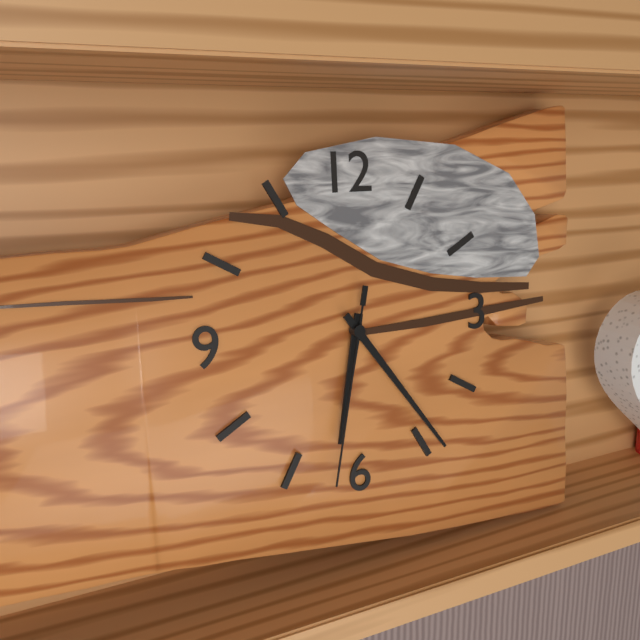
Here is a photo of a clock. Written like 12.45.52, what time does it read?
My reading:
6.24.32
